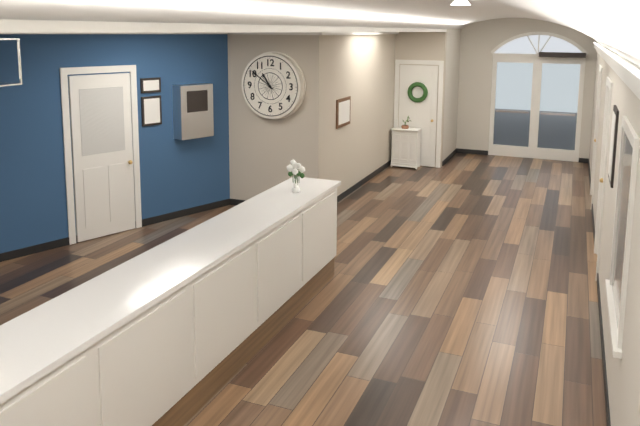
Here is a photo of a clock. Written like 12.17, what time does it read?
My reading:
10.51
